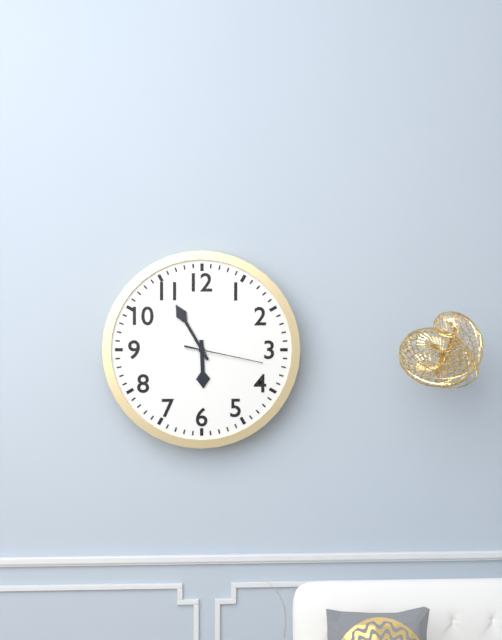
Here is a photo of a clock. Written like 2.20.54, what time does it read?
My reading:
5.55.17
